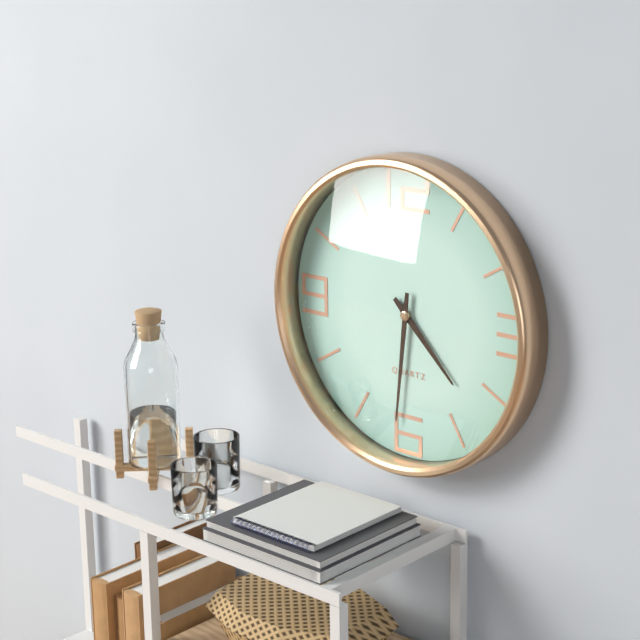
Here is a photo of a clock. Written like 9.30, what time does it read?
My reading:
4.31
